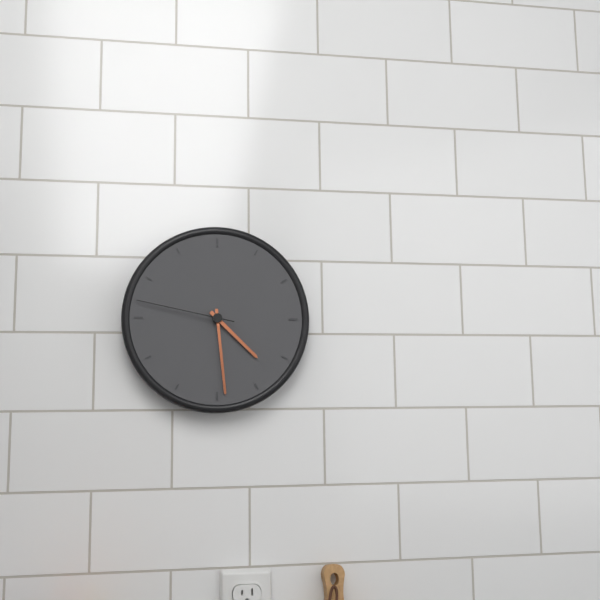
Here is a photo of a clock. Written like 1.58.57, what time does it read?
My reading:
4.29.47
